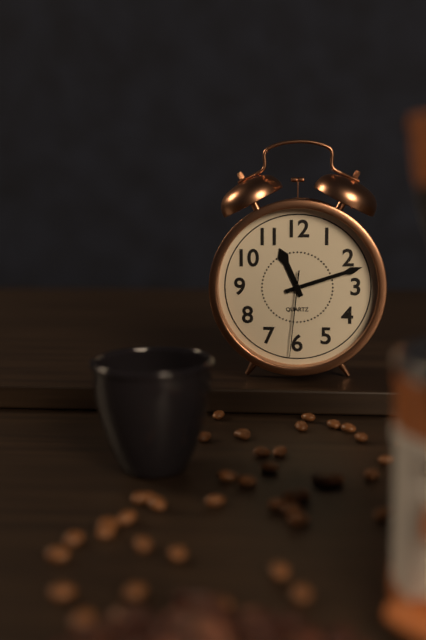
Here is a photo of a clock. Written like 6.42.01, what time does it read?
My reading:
11.12.31
